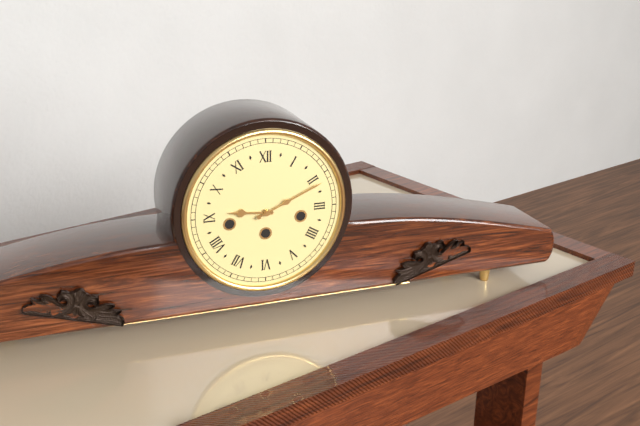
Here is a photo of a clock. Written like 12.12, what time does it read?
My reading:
9.11
